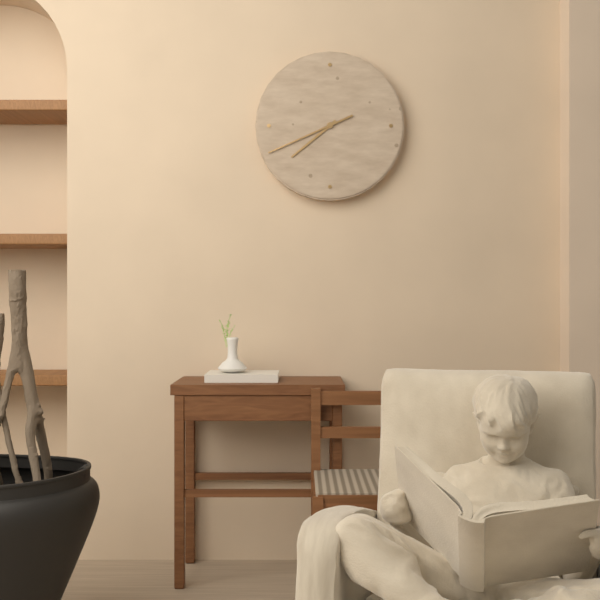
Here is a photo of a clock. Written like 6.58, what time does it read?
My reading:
7.41
